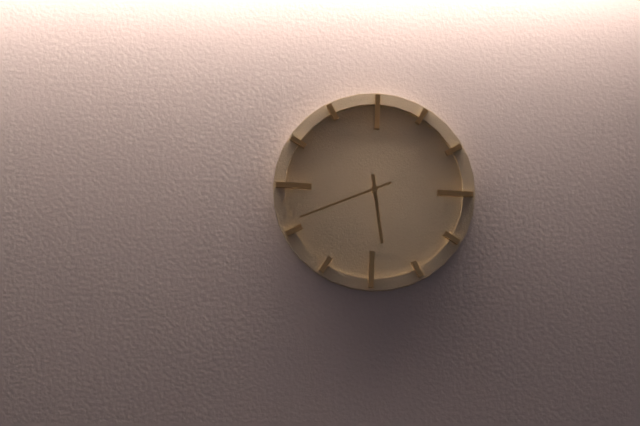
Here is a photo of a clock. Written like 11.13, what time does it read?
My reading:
5.41
